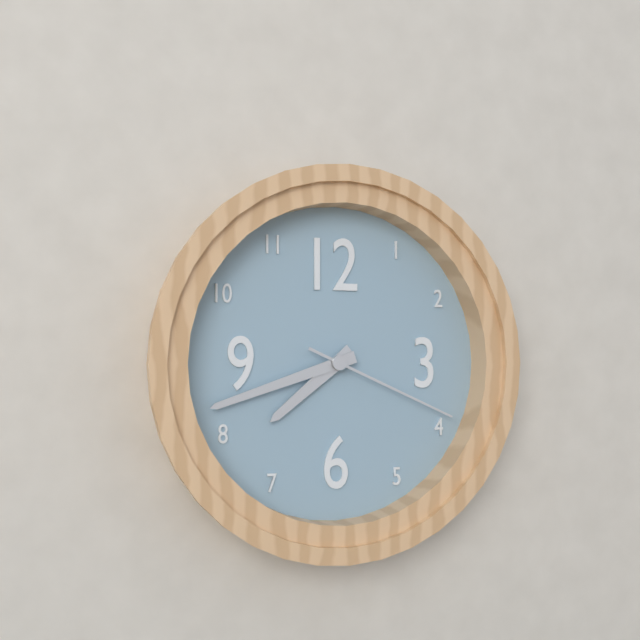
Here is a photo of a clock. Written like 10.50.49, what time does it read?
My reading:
7.42.19
